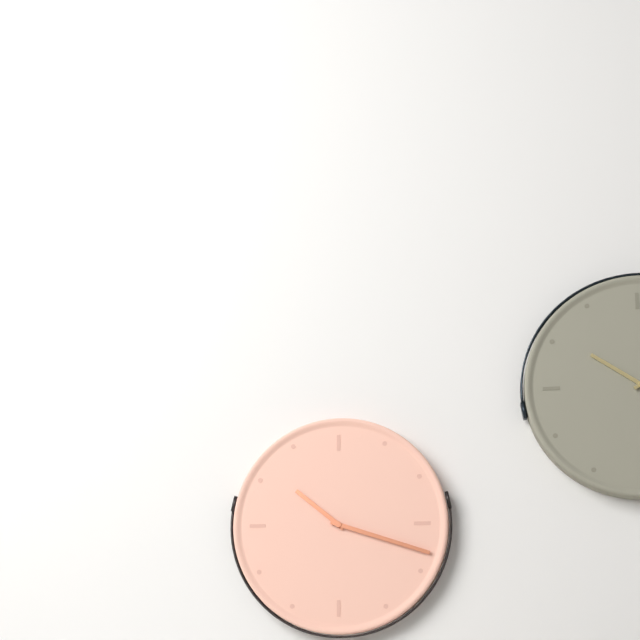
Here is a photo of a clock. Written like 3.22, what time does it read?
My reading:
10.18
